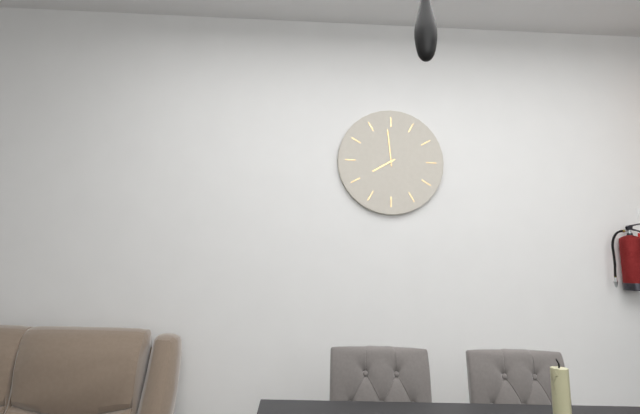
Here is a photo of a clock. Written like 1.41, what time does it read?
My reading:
7.59
